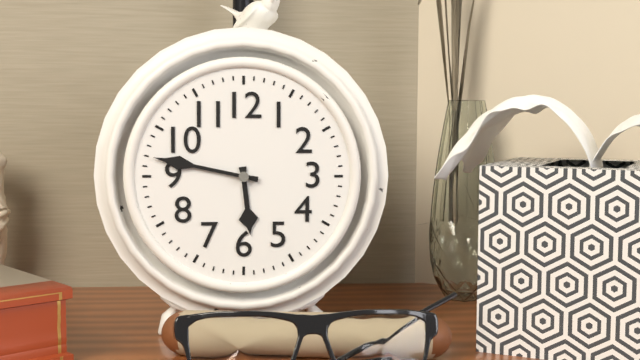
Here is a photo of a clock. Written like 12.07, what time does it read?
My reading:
5.47
